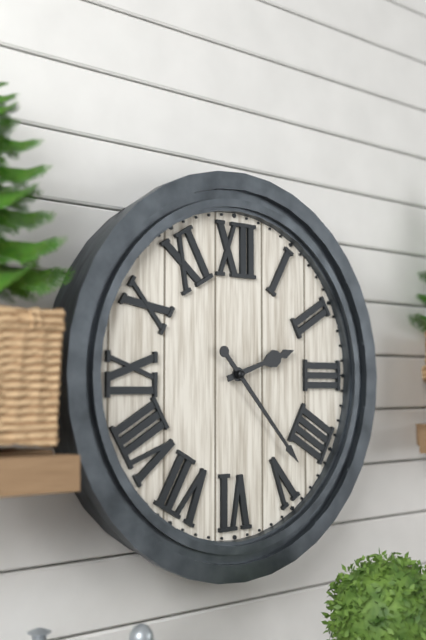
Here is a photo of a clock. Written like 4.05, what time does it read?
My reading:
2.23
